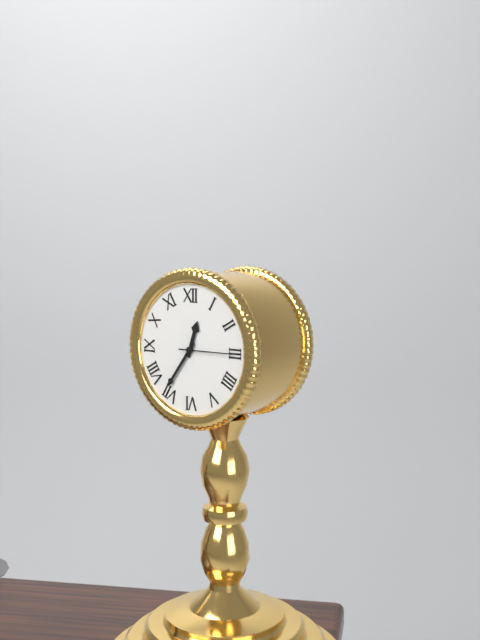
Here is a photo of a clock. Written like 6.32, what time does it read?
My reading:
12.36
